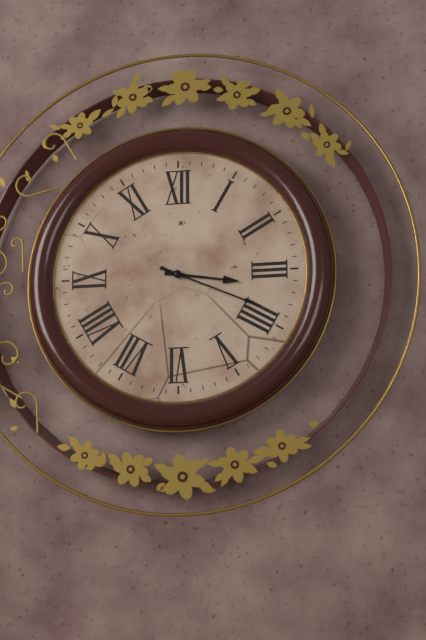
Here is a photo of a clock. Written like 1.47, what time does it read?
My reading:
3.19
